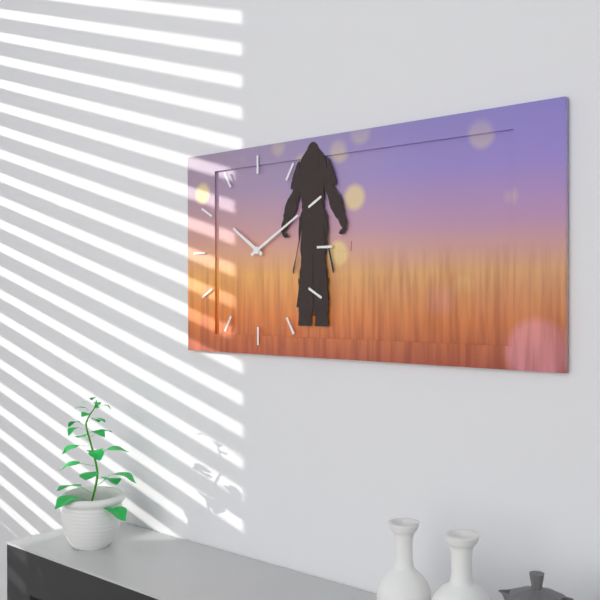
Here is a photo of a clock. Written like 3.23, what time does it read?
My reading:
10.10
